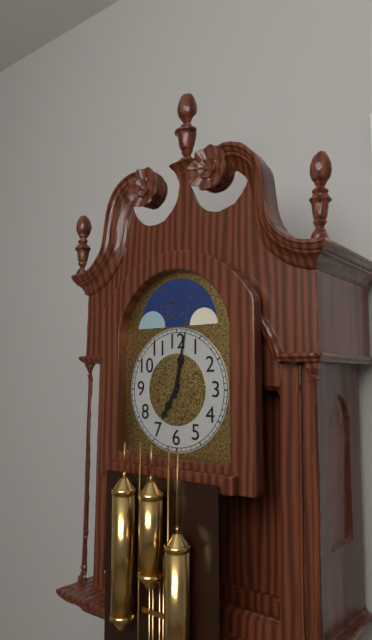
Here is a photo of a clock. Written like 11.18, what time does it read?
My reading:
7.02
